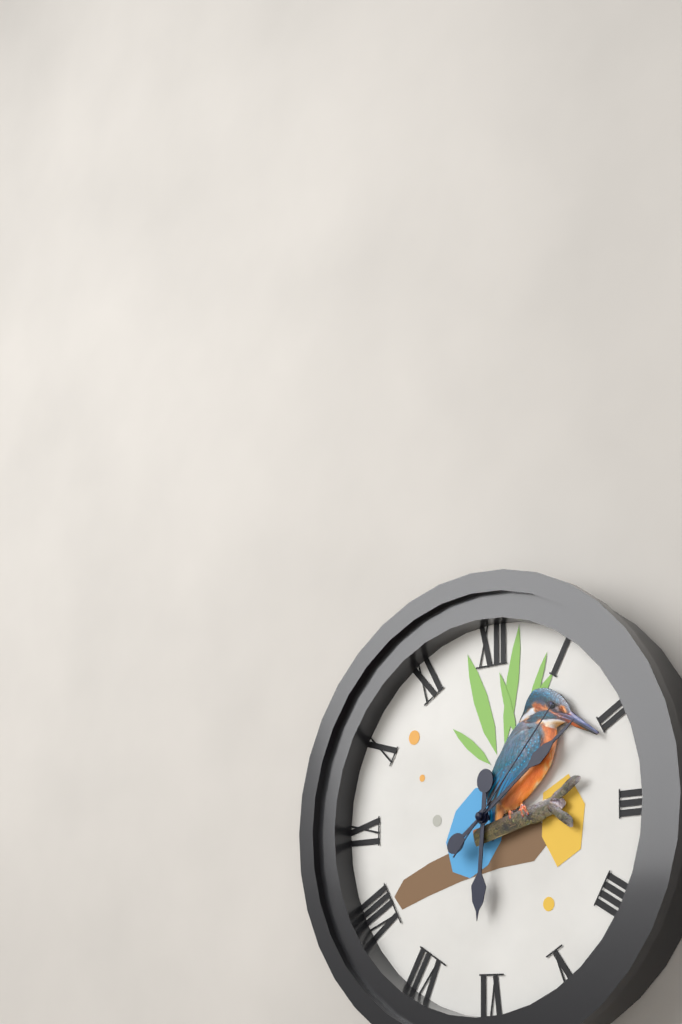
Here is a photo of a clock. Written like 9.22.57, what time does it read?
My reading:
6.09.07
